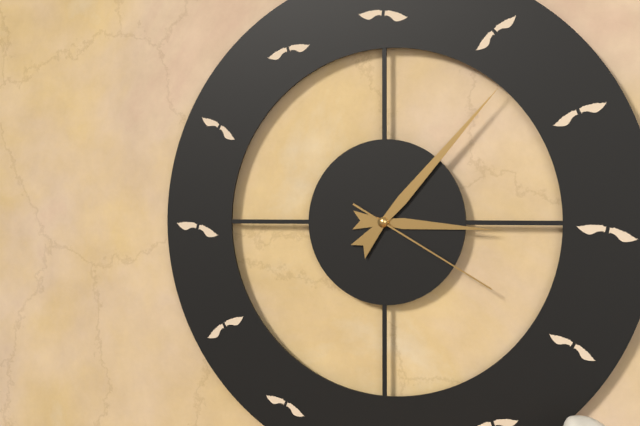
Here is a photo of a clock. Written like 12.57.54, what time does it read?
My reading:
3.07.20
